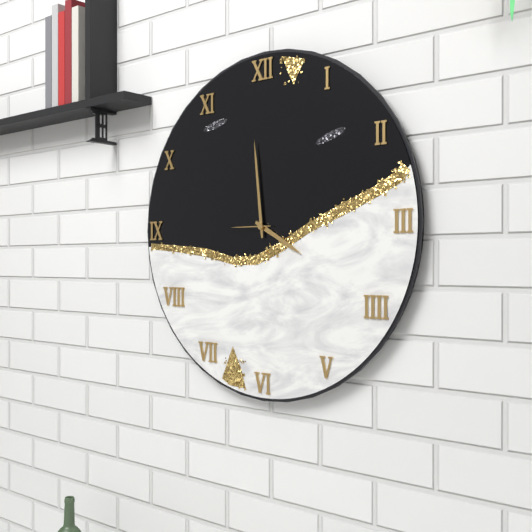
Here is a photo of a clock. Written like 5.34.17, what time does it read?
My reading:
3.59.45
